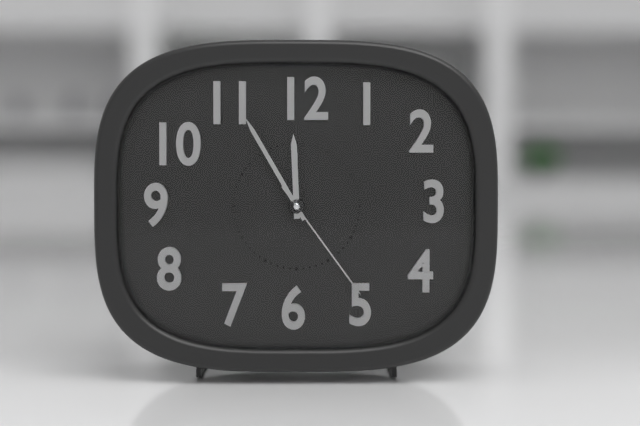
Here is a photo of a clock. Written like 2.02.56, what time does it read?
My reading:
11.55.24
